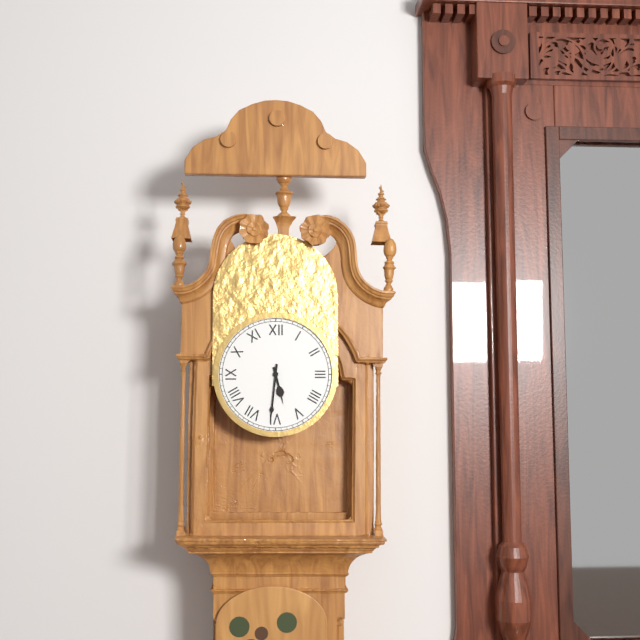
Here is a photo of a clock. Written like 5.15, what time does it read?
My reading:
5.31
